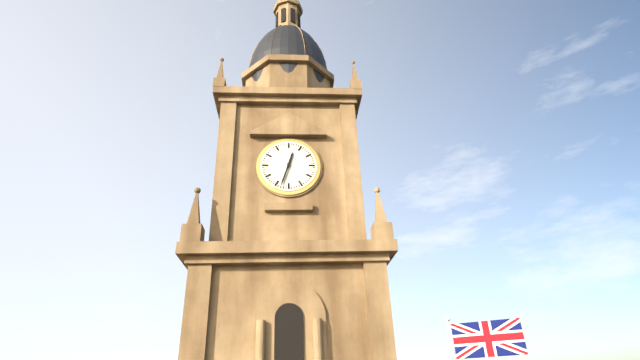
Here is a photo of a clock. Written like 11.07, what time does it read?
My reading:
12.33
